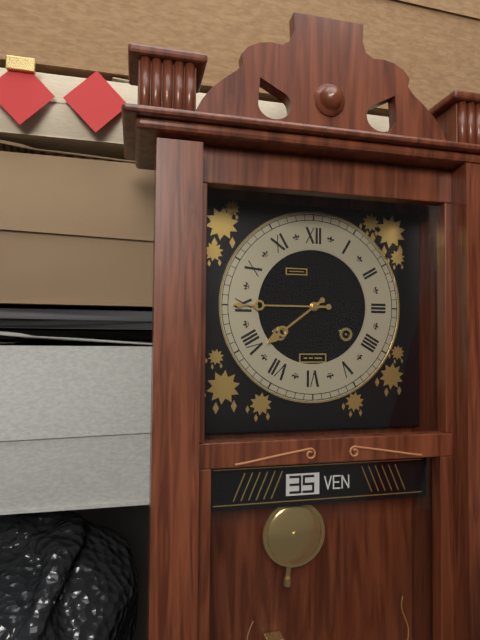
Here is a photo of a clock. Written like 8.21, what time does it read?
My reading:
7.45
